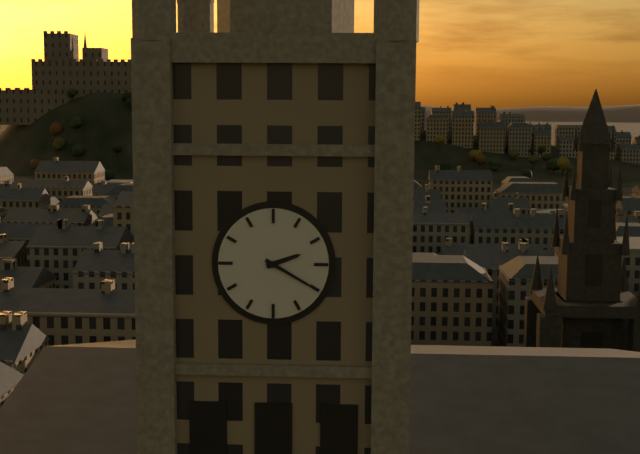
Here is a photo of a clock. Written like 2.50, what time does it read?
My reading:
2.20
